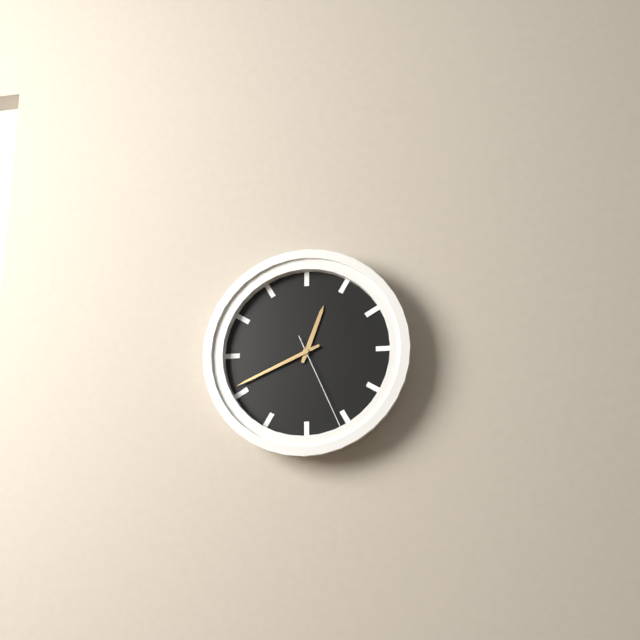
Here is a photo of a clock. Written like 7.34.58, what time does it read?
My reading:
12.41.26
